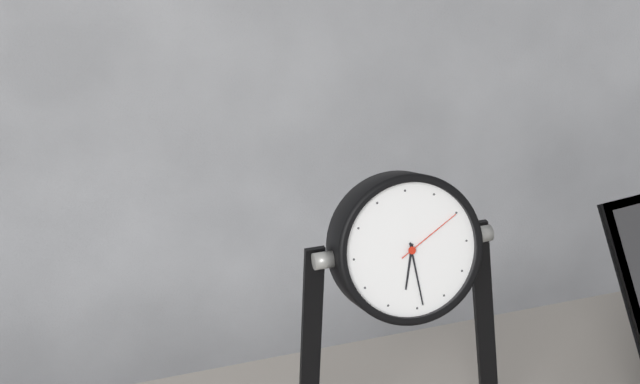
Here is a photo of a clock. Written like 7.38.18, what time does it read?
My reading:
6.29.10
